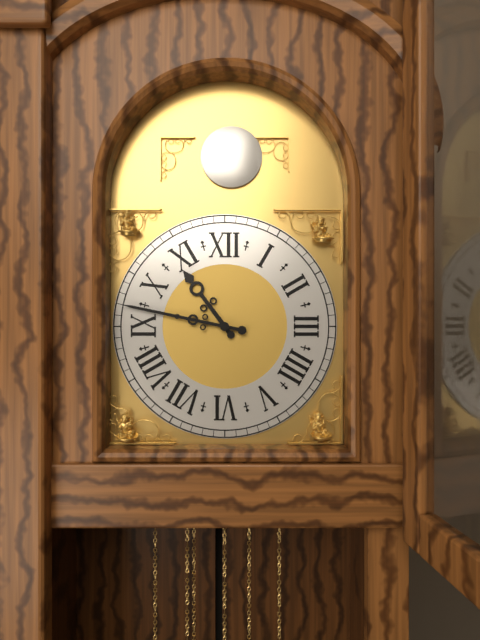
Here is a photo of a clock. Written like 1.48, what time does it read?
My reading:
10.47
